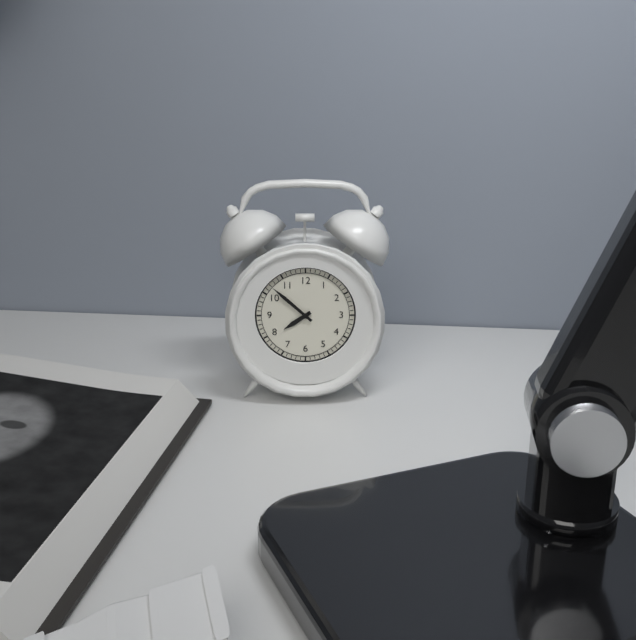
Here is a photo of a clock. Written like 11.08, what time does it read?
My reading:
7.52
